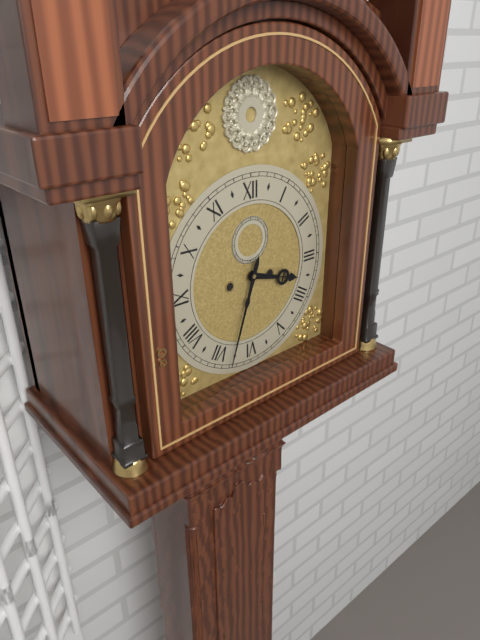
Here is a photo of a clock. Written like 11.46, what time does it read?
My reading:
3.33
